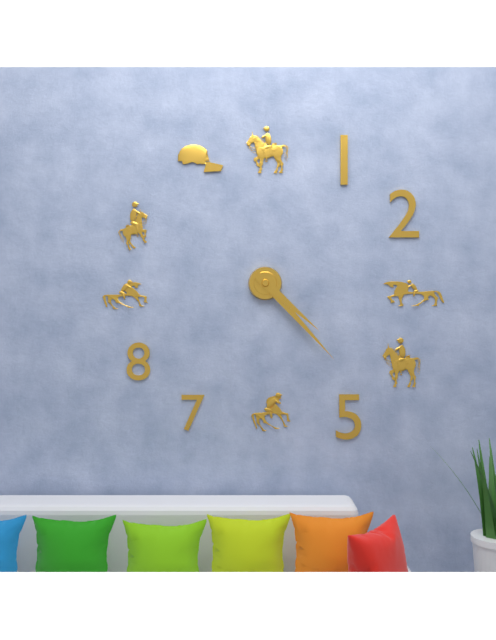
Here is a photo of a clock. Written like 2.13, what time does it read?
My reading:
4.23
